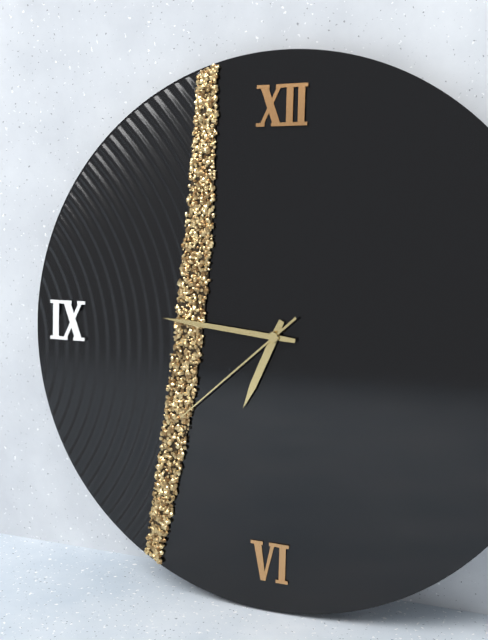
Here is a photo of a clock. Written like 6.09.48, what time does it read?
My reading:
6.46.38
